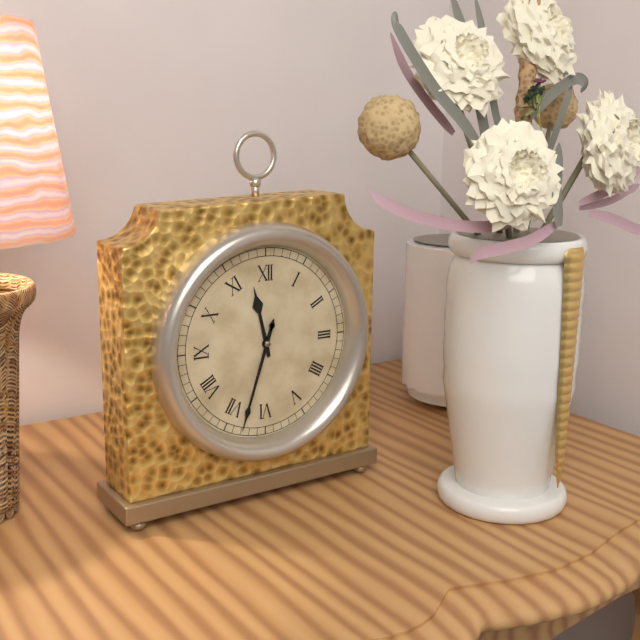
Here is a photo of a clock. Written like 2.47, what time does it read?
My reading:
11.33
